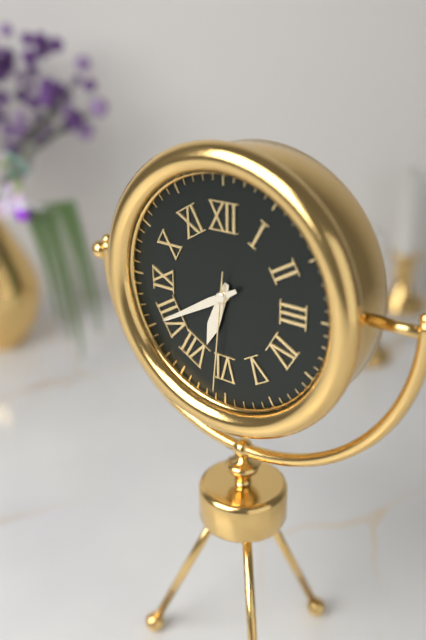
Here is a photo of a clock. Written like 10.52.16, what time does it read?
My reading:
6.40.31
